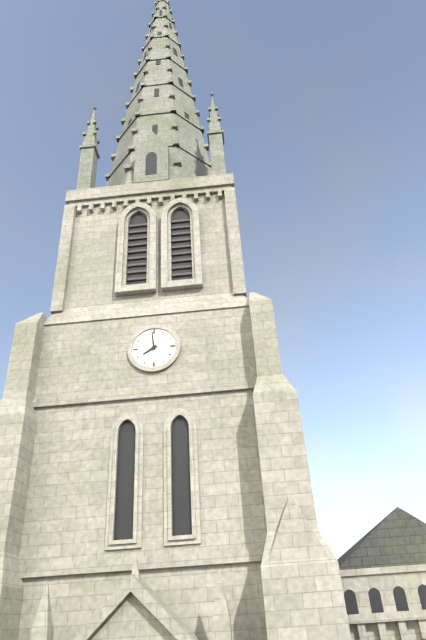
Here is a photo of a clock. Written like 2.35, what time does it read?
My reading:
7.59
